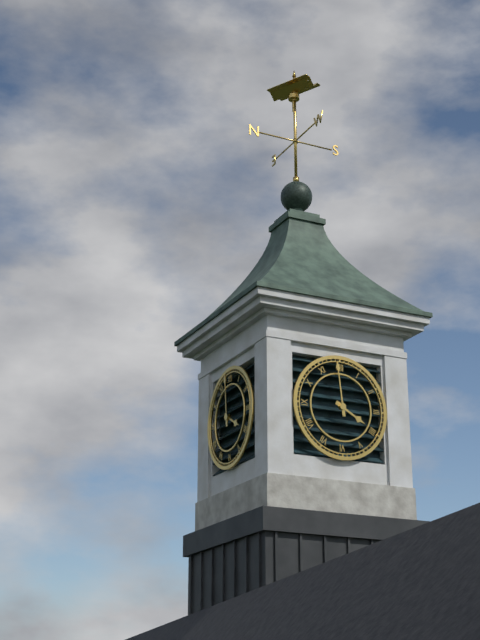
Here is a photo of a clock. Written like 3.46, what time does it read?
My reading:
3.59
